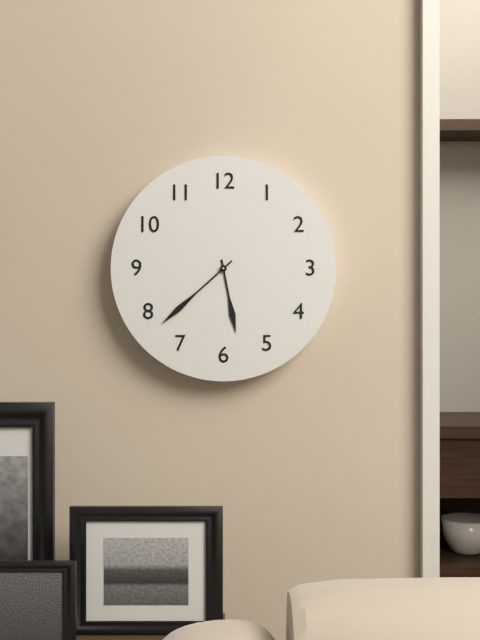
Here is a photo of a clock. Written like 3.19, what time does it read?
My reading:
5.38
